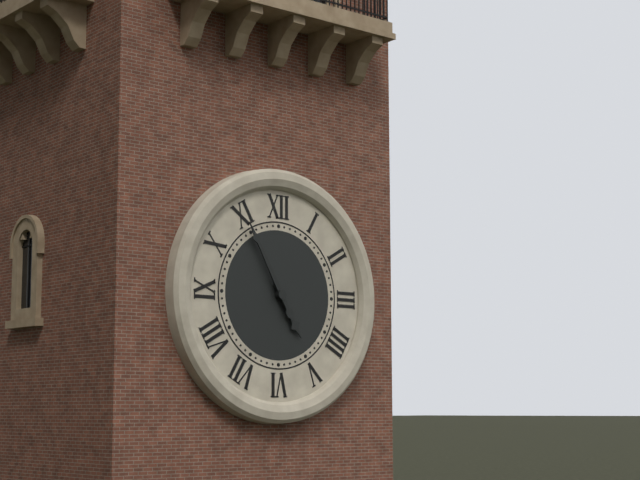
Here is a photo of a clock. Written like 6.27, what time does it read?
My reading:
4.55
